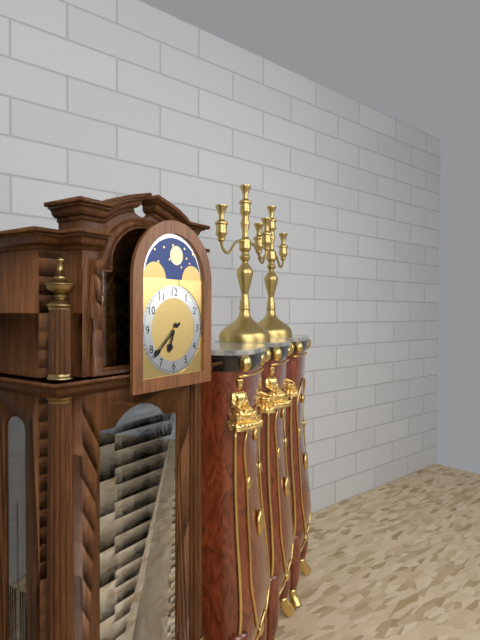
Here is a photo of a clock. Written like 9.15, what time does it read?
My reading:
6.38
